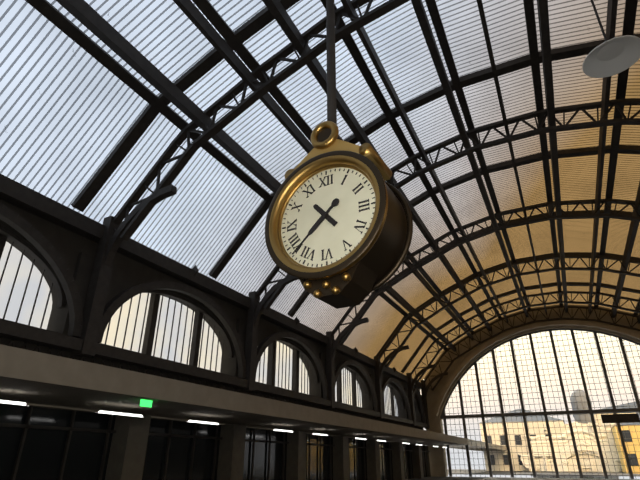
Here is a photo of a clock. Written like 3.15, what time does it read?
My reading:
10.38
